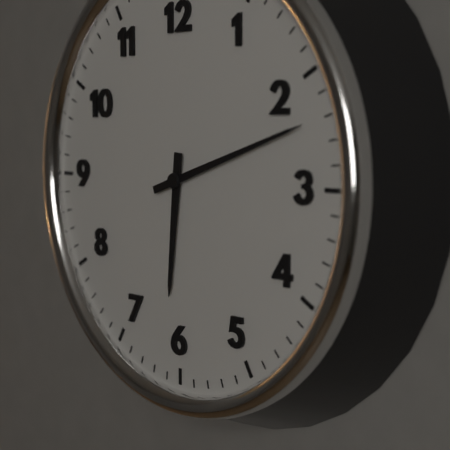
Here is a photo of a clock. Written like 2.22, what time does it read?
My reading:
6.12
